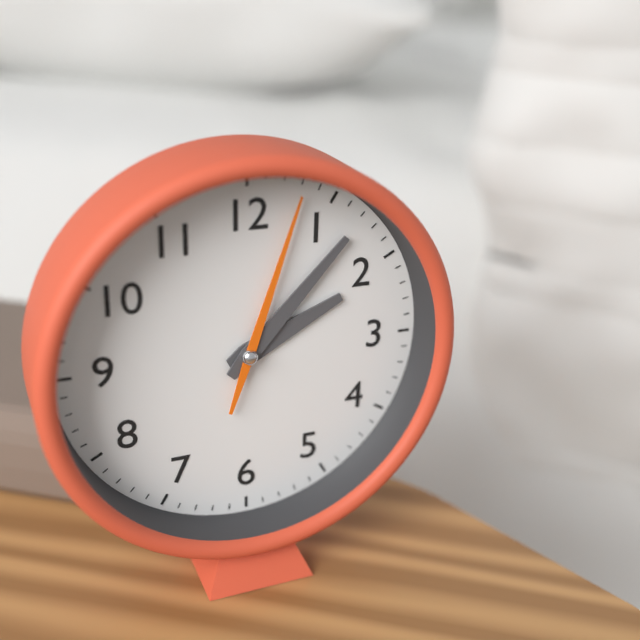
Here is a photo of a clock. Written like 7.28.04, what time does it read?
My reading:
2.07.03
